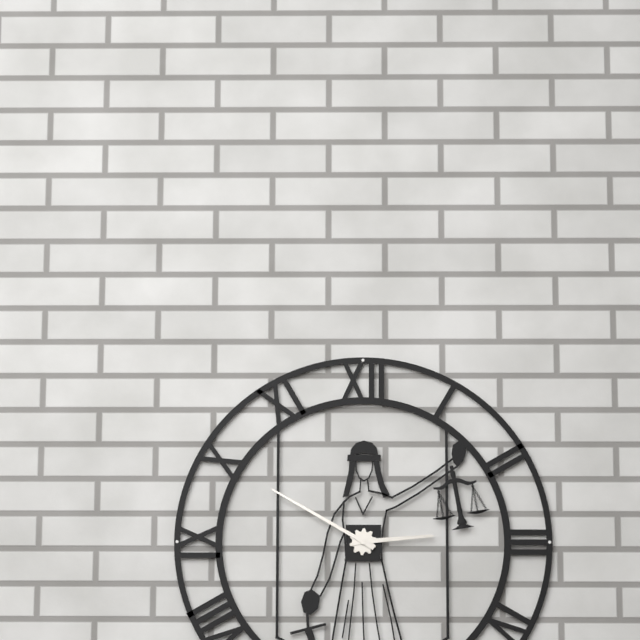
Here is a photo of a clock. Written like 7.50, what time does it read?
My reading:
2.50
